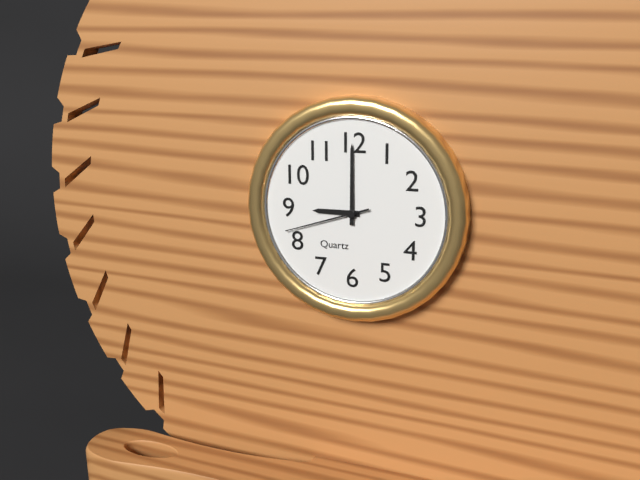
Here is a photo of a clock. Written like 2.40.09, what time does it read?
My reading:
9.00.42
